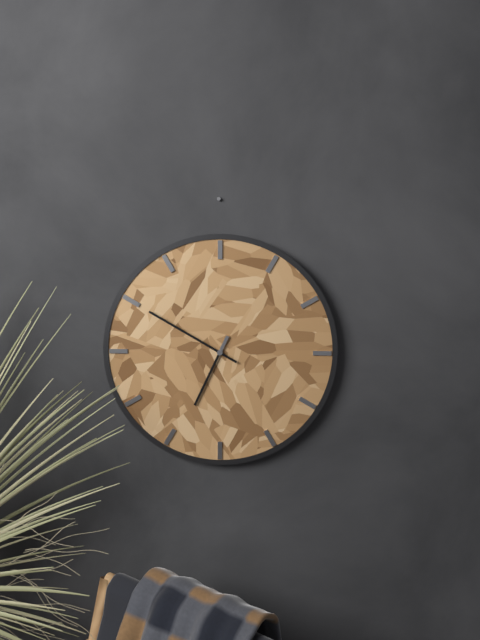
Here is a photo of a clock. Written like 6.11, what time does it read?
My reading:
6.50
